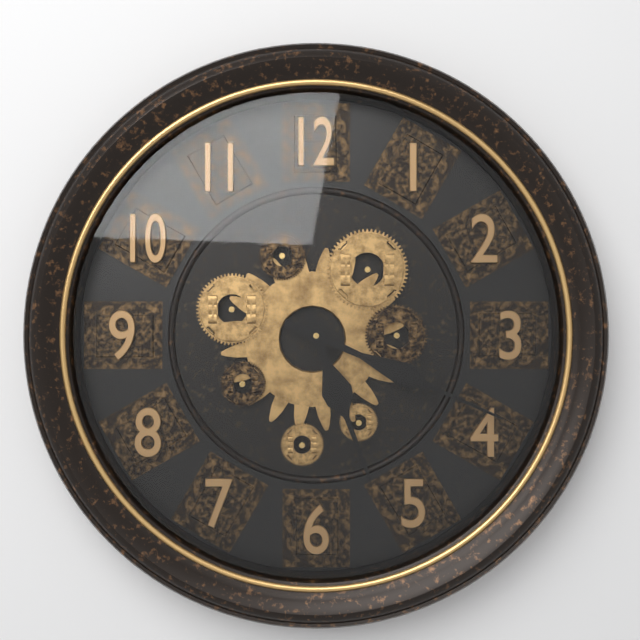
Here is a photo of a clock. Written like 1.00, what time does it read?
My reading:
5.19
